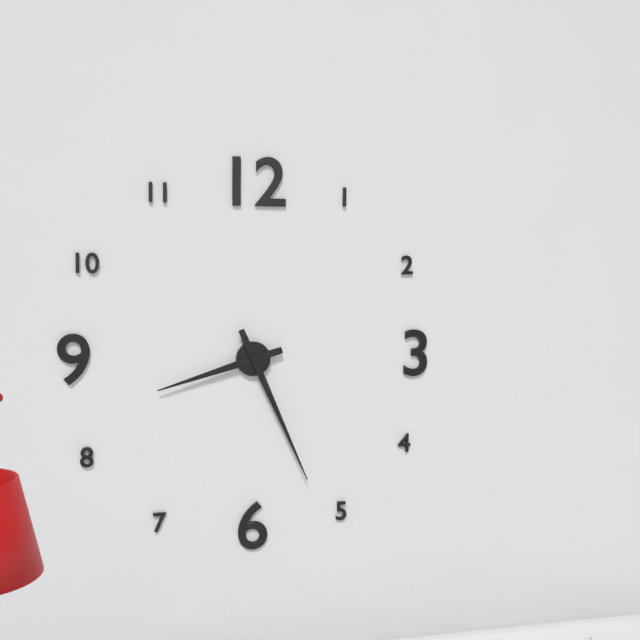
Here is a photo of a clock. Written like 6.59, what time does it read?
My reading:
8.26
